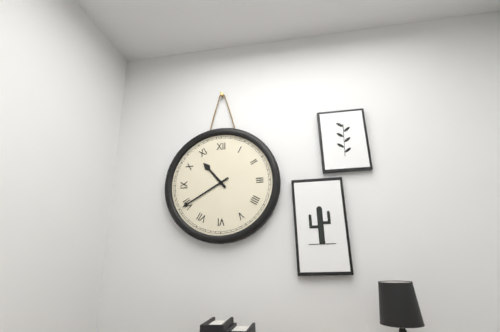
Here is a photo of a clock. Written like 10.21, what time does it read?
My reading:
10.40
